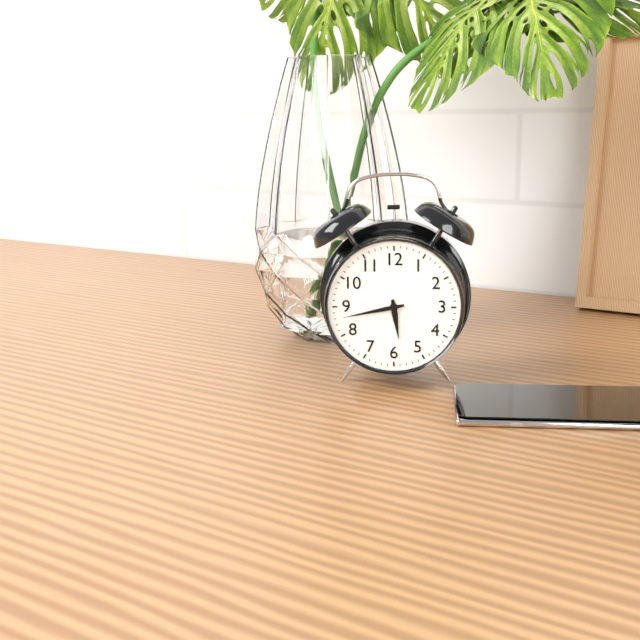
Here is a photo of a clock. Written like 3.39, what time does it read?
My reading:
5.43
